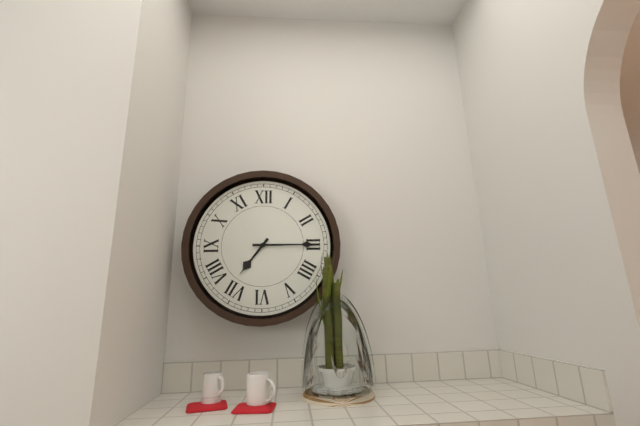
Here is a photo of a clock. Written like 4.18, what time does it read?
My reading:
7.15
